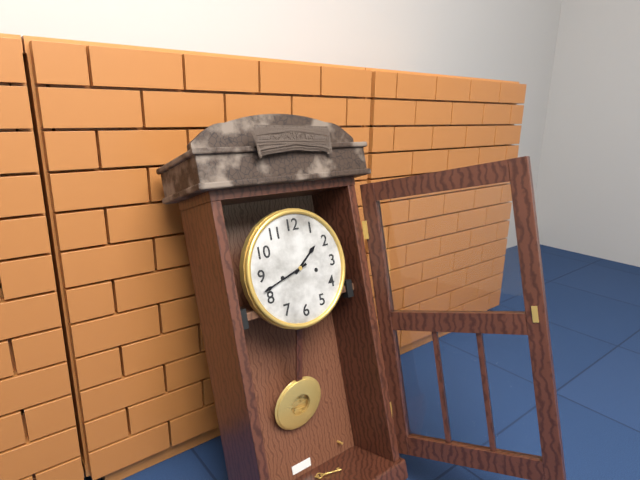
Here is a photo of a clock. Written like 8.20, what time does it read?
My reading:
1.42
